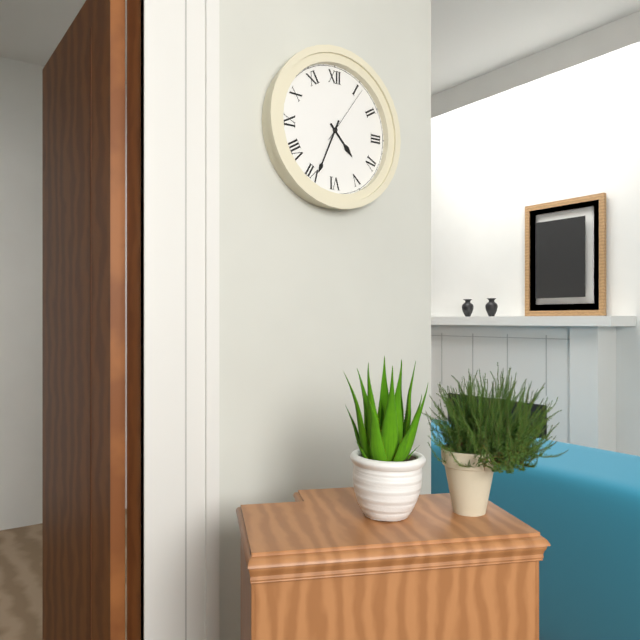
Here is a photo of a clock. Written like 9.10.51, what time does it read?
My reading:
4.34.06
